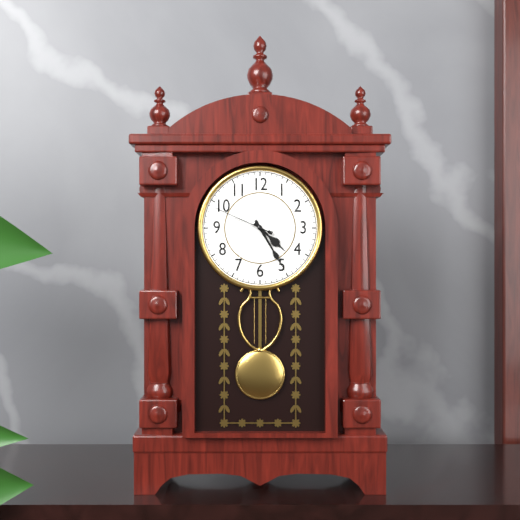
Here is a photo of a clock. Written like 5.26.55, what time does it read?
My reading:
4.25.49
